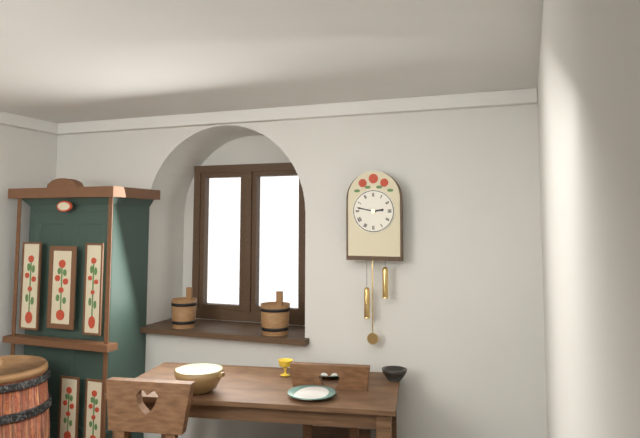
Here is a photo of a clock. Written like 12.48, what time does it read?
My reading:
2.47
